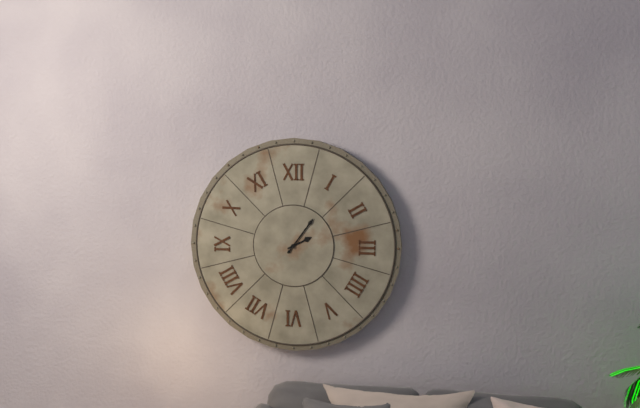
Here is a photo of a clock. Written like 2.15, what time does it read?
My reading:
2.06
